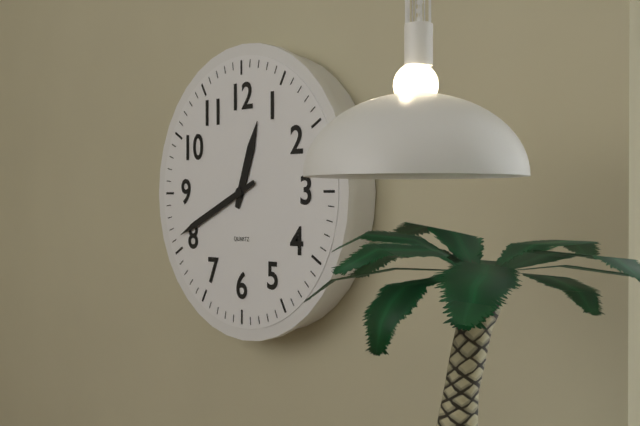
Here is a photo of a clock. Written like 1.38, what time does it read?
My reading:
12.41
